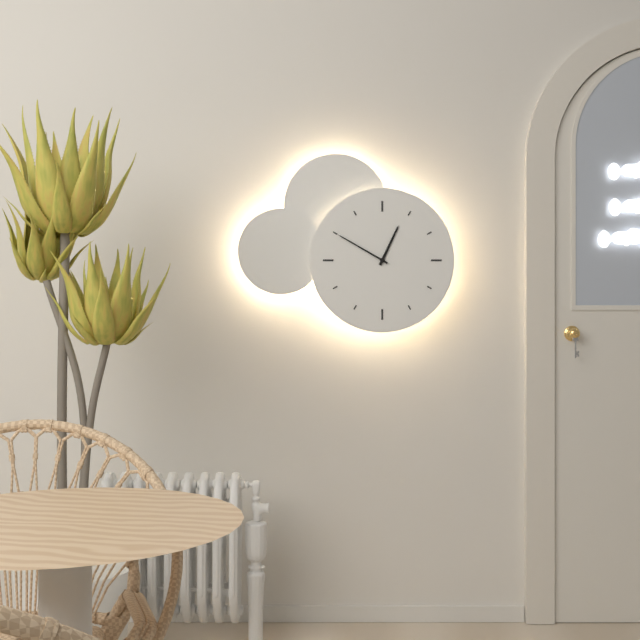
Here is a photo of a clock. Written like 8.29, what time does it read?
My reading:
12.50
